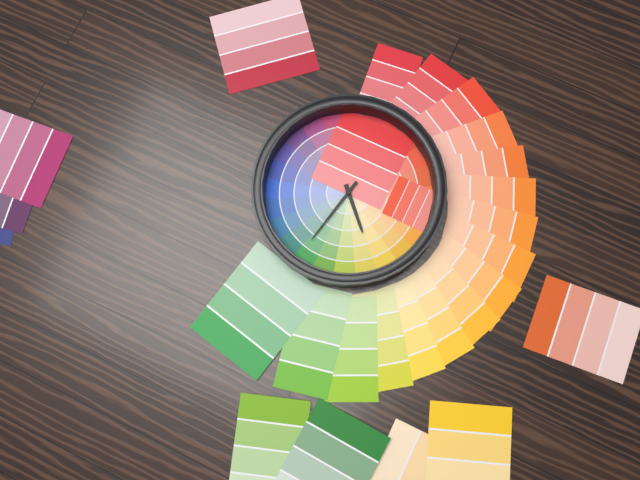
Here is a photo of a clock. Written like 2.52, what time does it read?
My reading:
4.32
